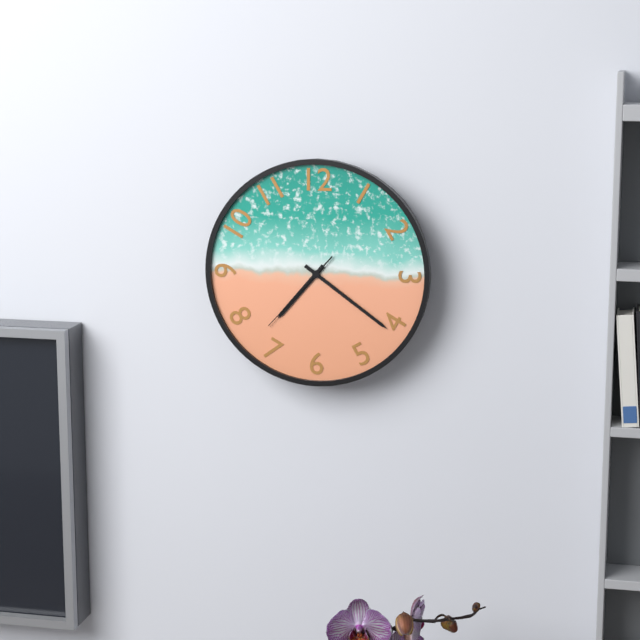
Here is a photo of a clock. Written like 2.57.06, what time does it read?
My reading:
7.21.37
